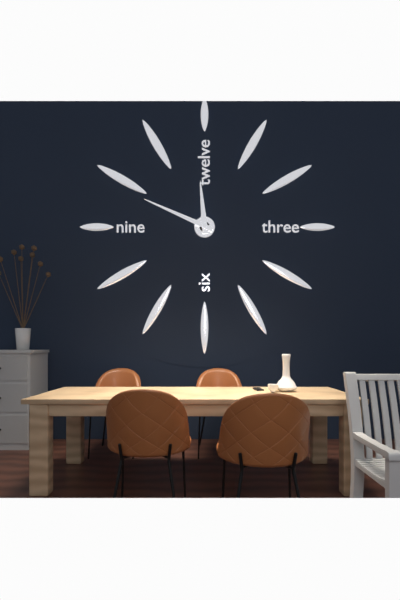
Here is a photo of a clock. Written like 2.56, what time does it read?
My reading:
11.49
